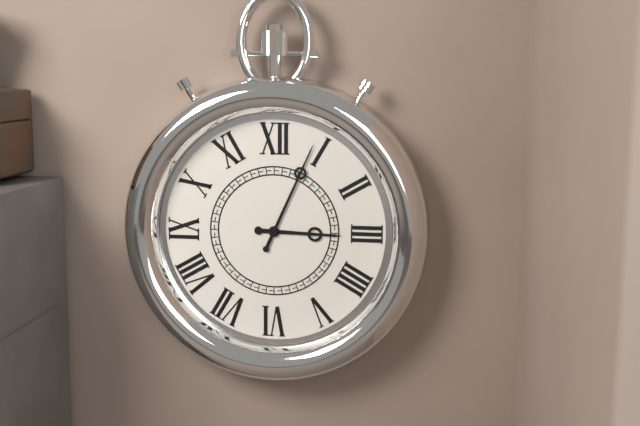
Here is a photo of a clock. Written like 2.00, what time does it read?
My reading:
3.04
